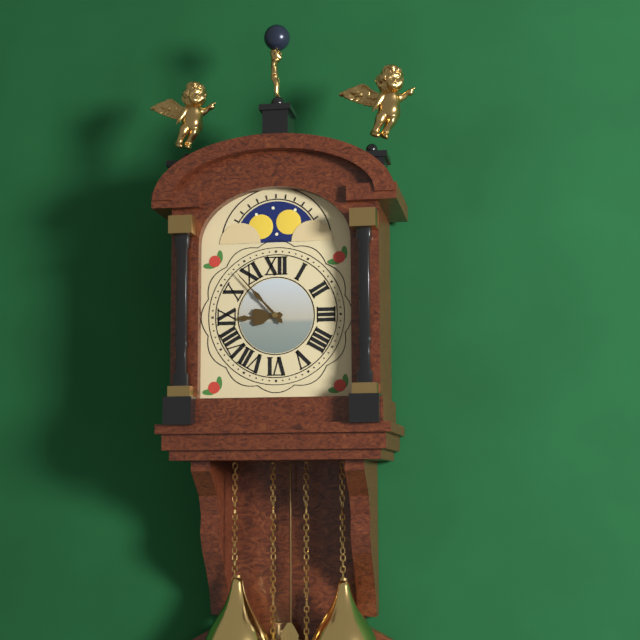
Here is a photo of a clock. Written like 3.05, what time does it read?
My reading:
8.53
